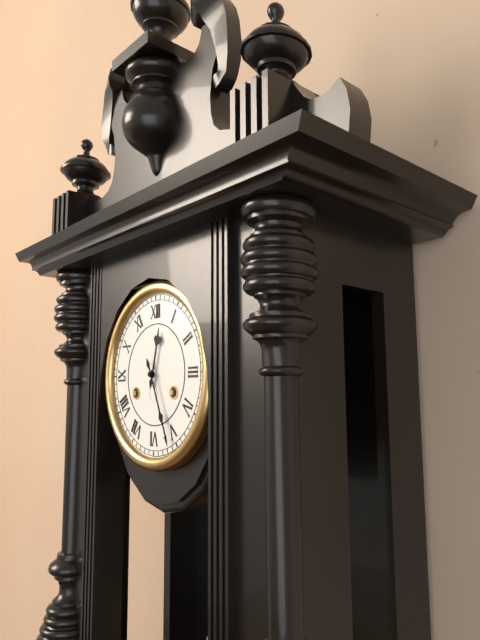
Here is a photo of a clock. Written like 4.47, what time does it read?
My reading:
12.26
